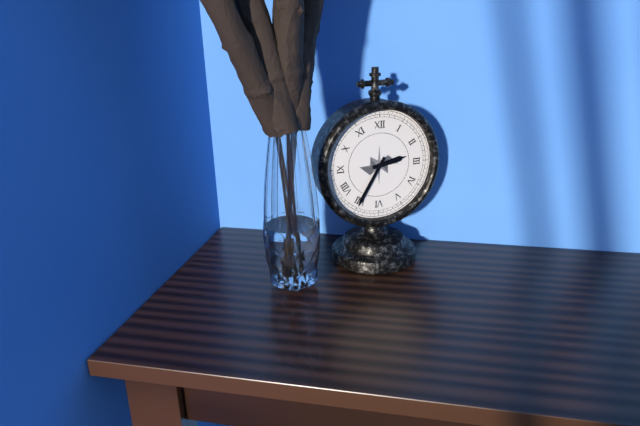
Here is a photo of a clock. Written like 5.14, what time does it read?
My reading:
2.35
